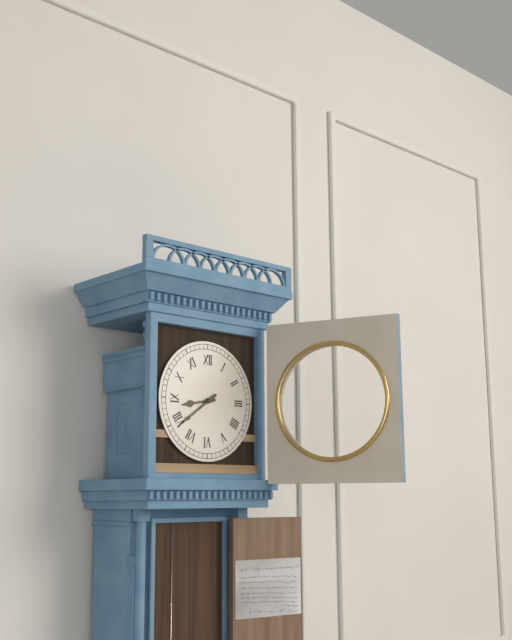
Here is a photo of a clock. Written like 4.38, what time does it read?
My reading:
8.39
